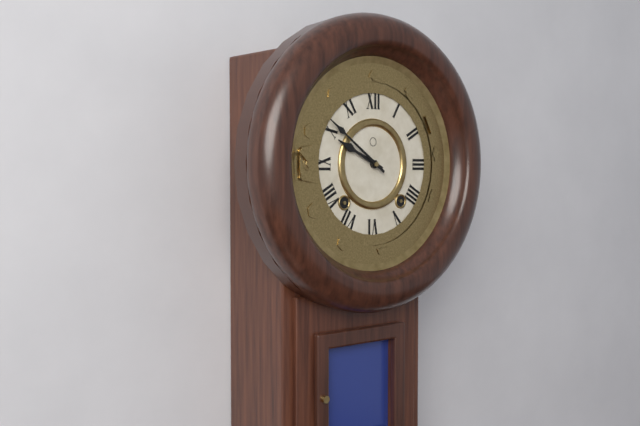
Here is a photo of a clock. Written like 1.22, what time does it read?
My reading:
9.51
